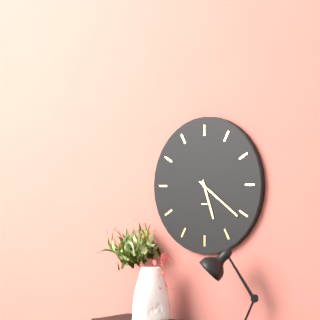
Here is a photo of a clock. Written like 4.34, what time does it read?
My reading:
5.21
